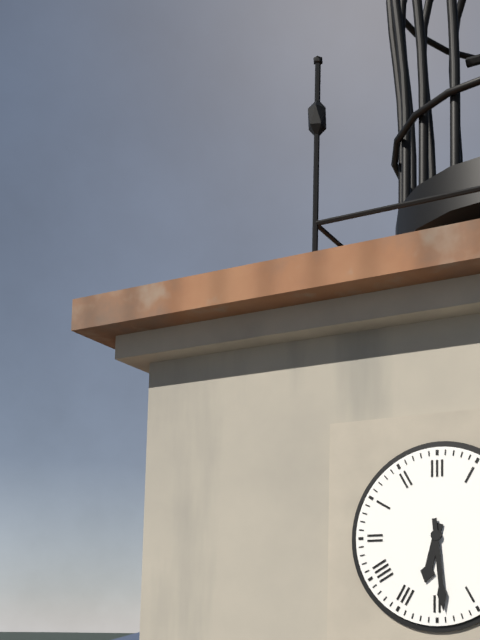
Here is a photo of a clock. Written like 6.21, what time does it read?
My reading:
6.29
